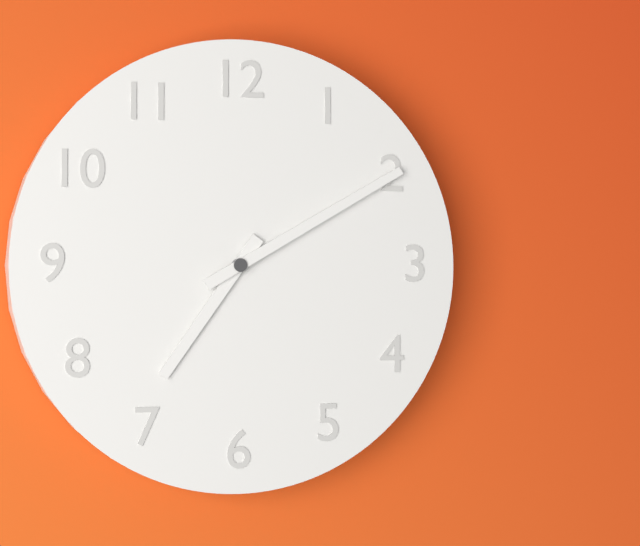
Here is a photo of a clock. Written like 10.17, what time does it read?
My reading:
7.10
